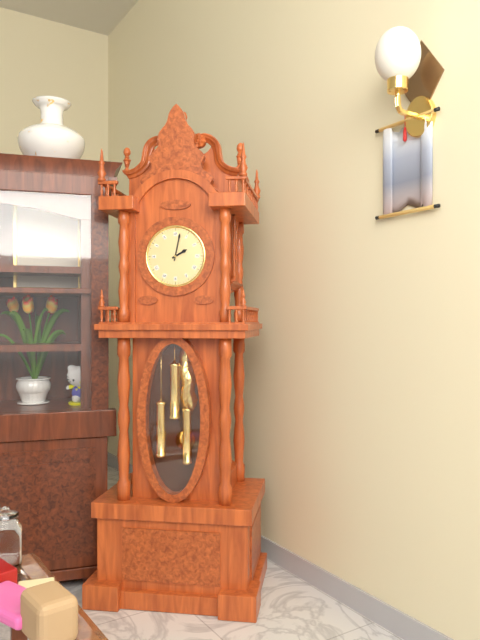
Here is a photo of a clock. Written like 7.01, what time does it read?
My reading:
2.02
